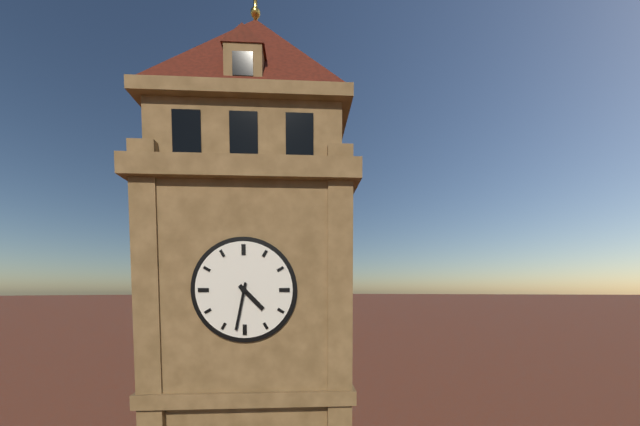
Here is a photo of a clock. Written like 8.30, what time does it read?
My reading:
4.32
